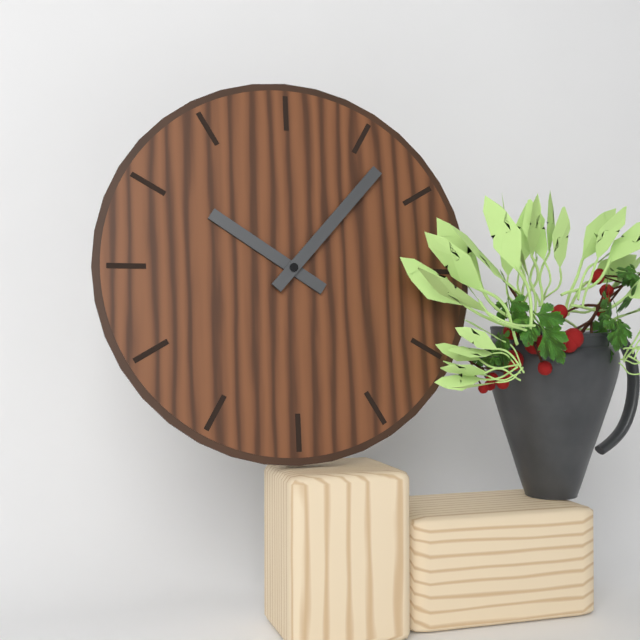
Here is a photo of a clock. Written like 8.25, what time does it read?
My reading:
10.07
